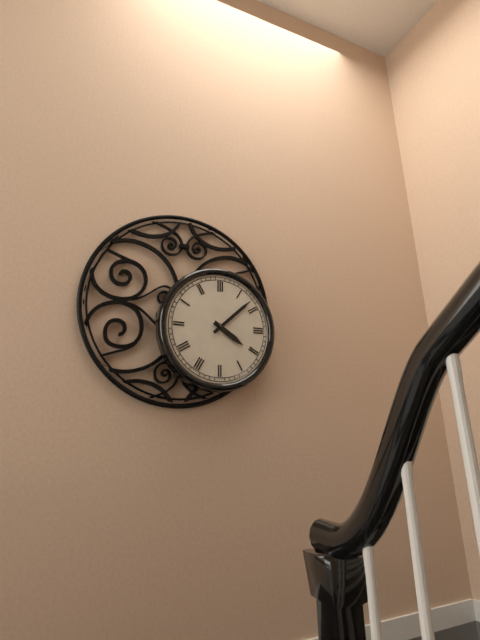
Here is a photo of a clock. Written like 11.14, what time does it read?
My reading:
4.08
